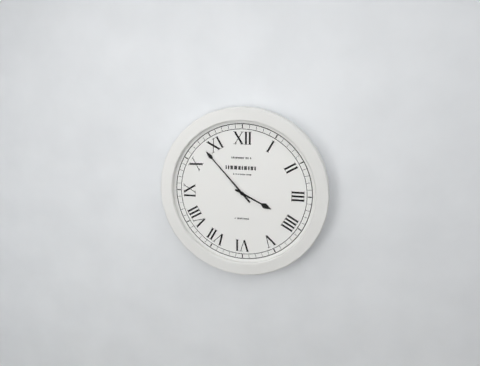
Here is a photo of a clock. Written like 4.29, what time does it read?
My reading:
3.53
